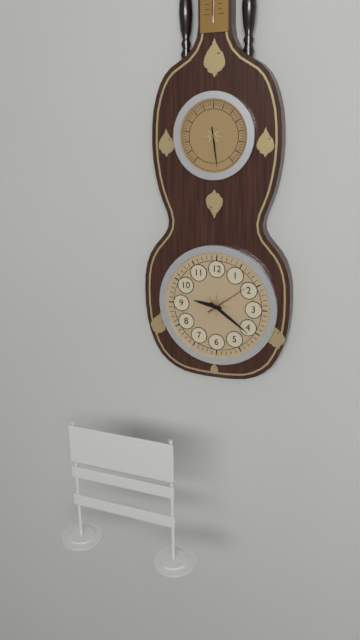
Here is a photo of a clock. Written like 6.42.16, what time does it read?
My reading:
9.21.09
